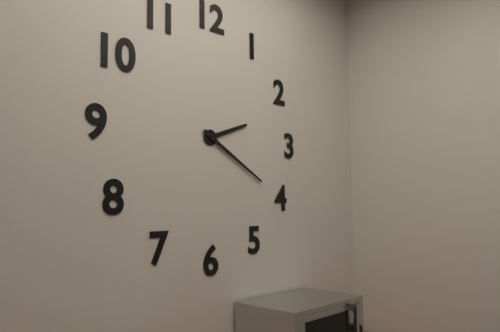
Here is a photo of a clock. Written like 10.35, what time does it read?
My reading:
2.20
